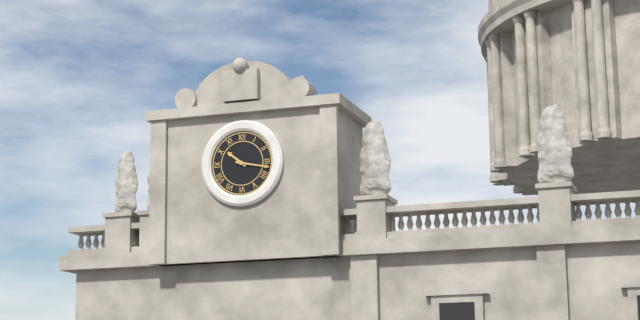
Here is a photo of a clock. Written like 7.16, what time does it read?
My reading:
10.17
